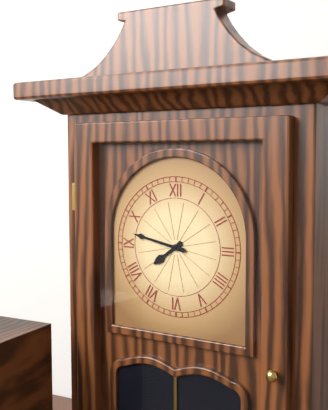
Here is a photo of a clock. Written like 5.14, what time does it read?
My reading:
7.47
